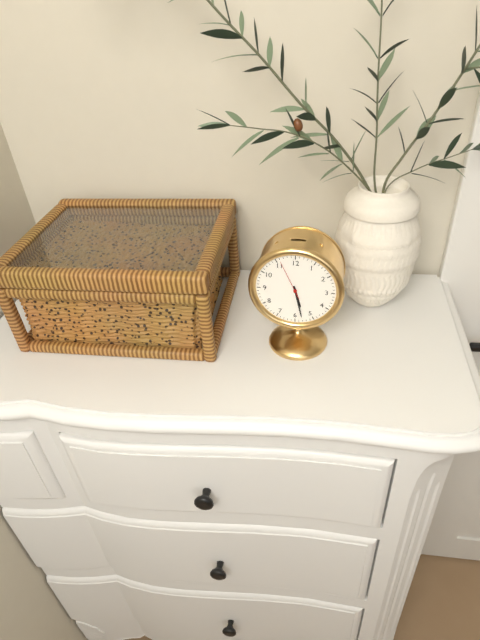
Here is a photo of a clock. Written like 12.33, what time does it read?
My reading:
5.28
